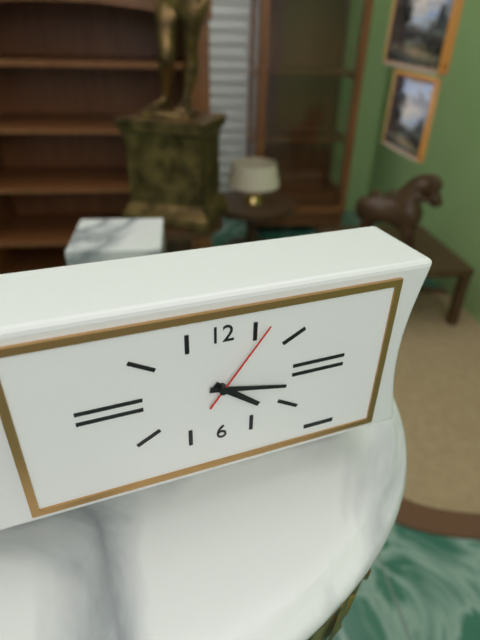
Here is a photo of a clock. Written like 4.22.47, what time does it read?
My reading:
4.17.06
